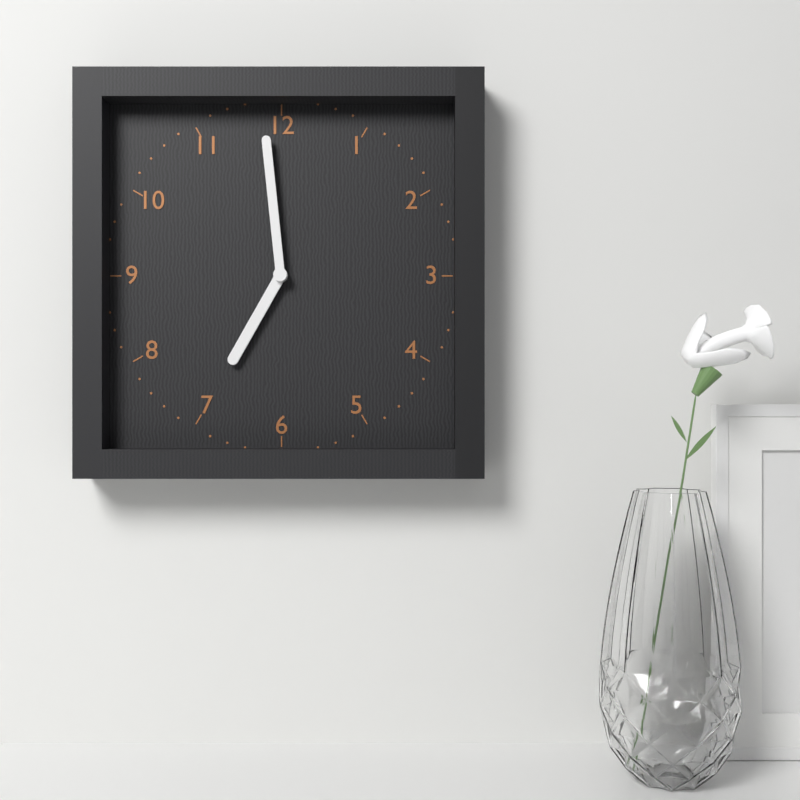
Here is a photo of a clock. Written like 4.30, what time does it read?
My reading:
6.59
